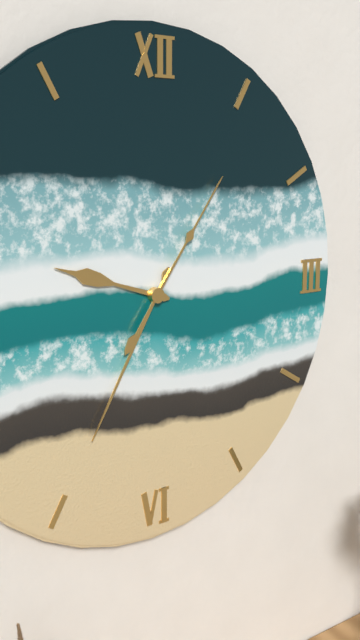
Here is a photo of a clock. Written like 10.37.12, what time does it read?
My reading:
9.35.06
